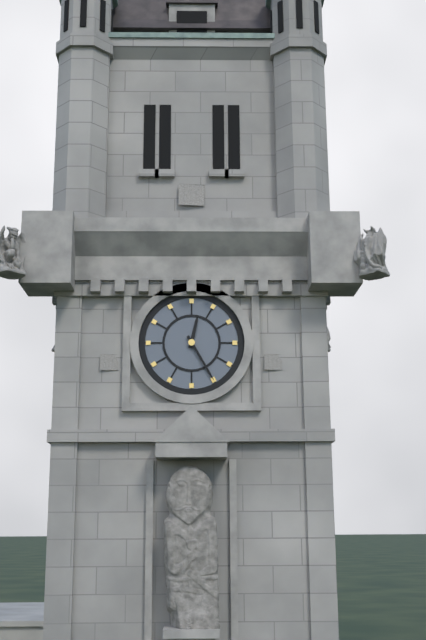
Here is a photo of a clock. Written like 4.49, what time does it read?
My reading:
12.25
